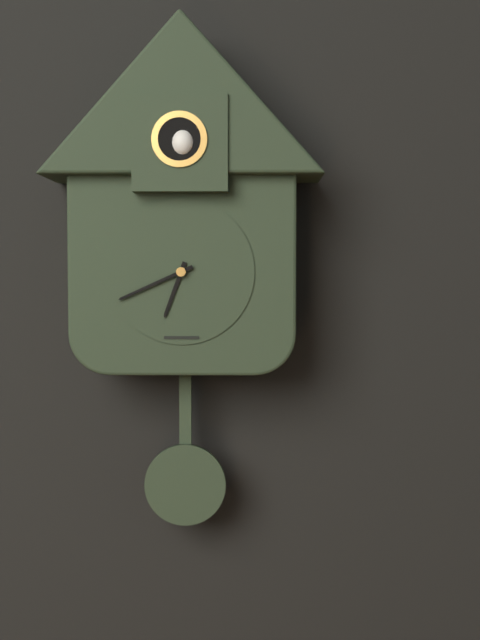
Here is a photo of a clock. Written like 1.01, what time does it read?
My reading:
6.41
